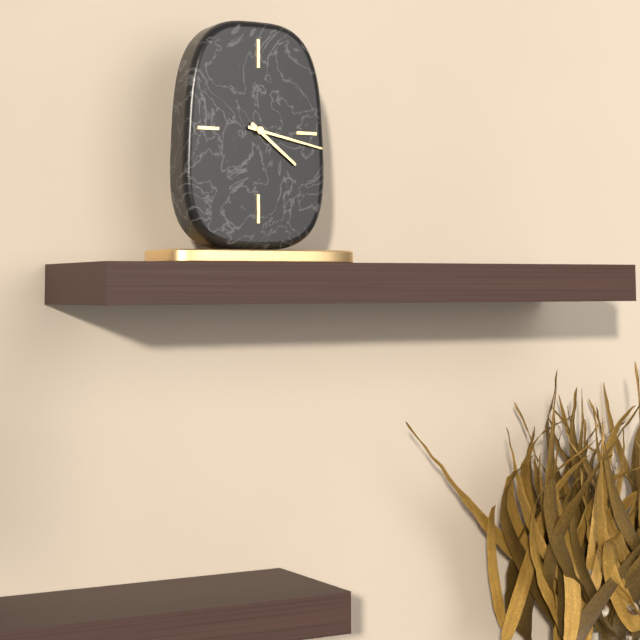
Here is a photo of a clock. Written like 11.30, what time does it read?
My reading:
4.17
